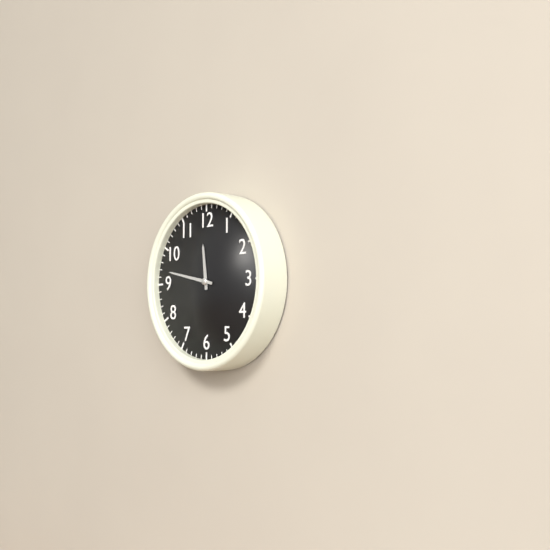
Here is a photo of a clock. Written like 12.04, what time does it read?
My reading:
11.47
